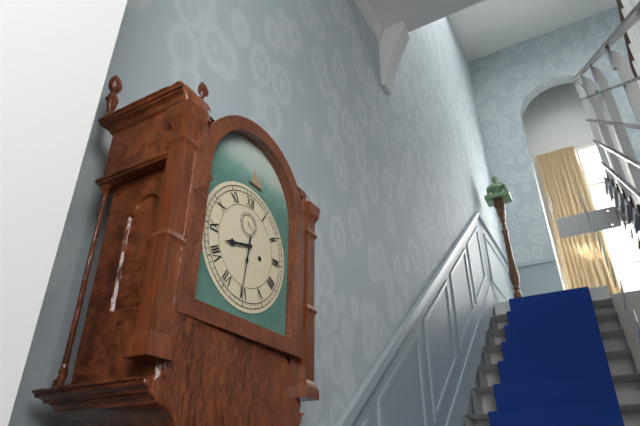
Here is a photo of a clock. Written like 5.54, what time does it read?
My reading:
8.31
